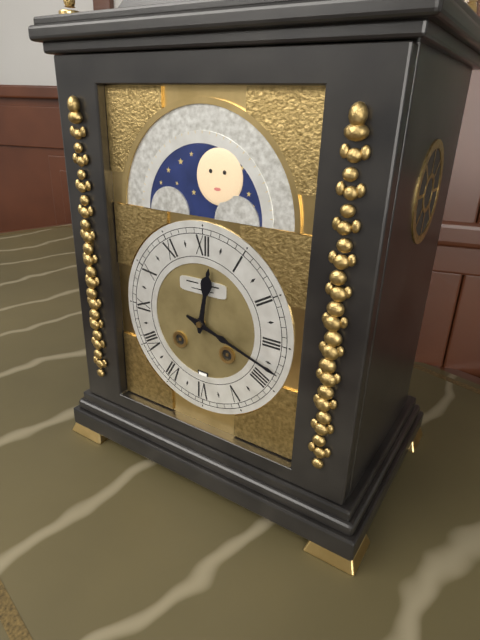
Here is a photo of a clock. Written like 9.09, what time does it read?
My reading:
12.18
